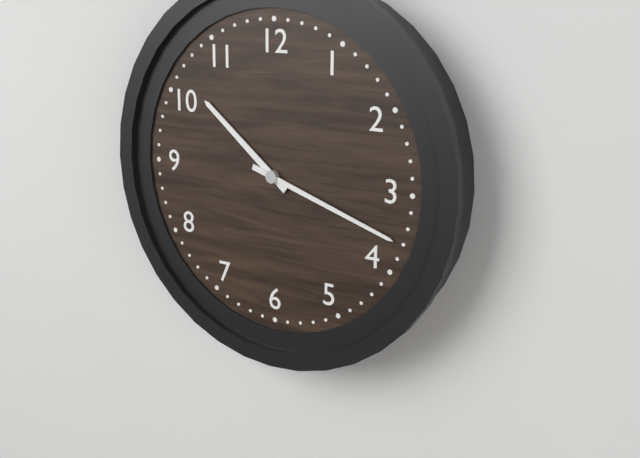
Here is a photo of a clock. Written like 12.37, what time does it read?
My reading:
10.18
